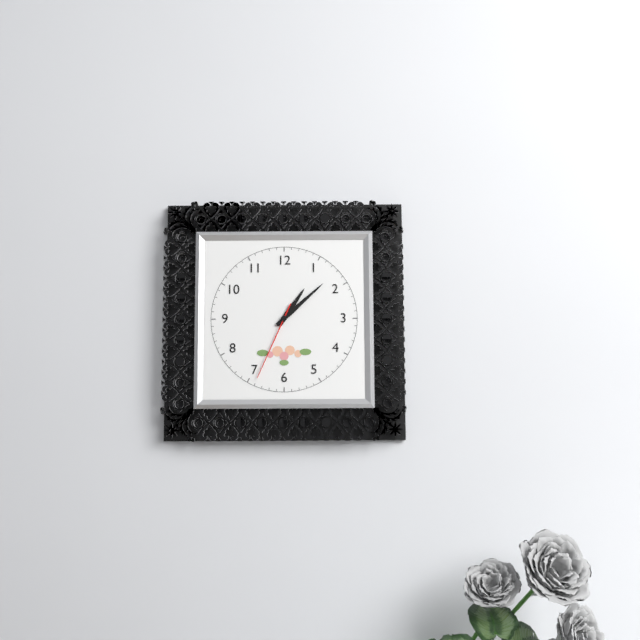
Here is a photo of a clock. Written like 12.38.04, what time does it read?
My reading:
1.08.34
